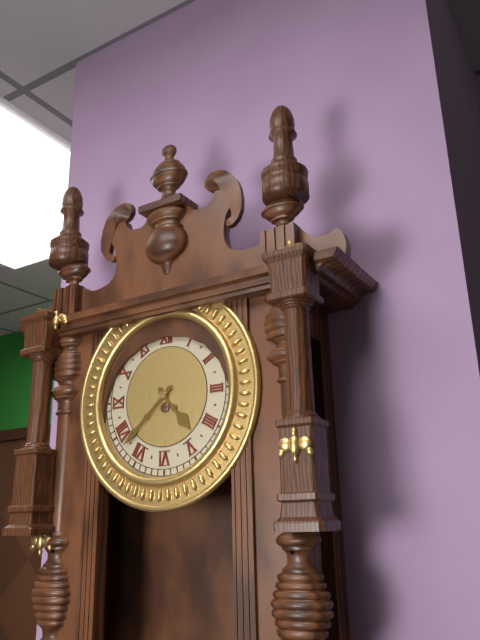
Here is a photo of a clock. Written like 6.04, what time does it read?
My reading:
4.38
